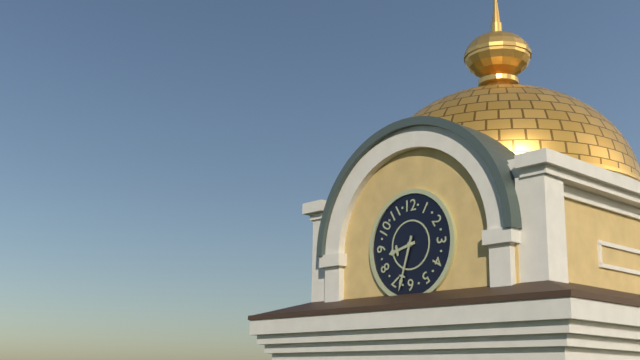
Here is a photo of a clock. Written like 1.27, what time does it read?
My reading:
8.33
